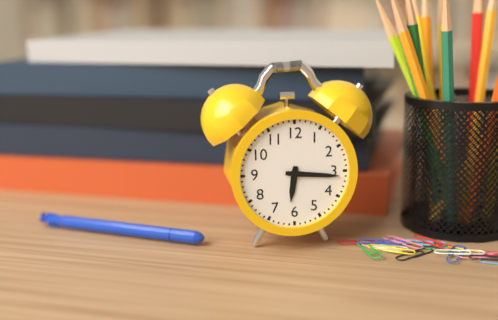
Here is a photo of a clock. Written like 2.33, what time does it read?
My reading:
6.16
